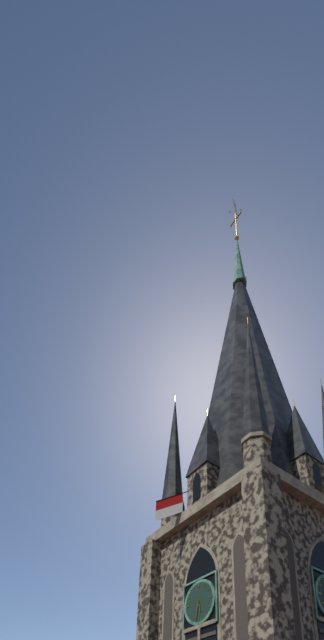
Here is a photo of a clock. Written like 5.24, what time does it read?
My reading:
5.32
